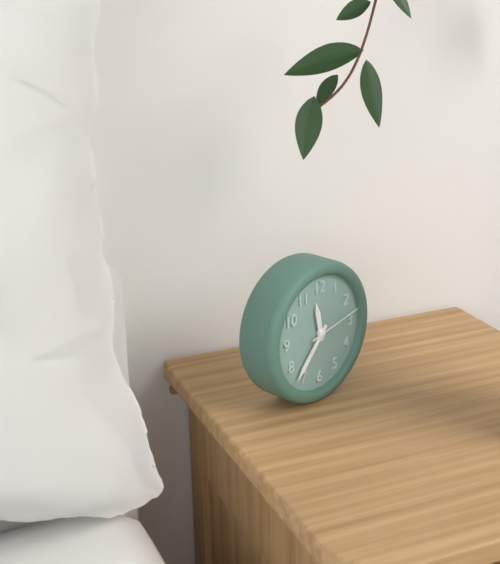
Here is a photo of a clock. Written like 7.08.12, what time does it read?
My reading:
11.37.13
